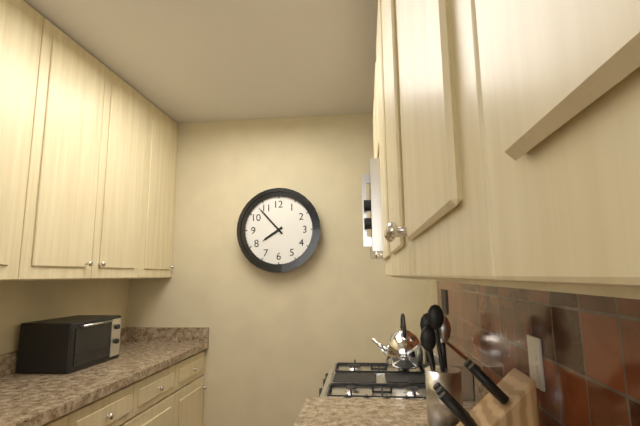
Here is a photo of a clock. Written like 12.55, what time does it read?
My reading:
7.53
